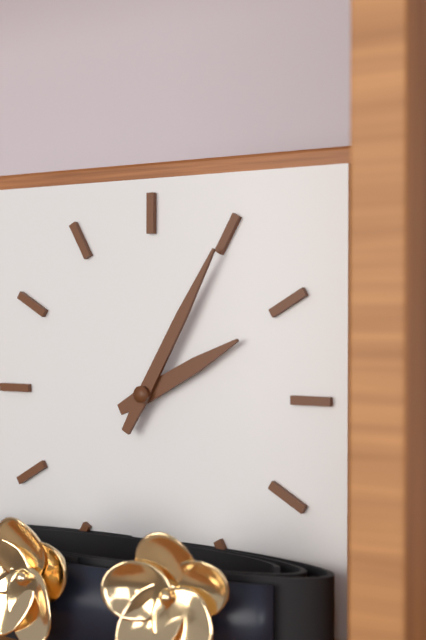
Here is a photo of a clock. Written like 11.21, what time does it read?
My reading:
2.05
